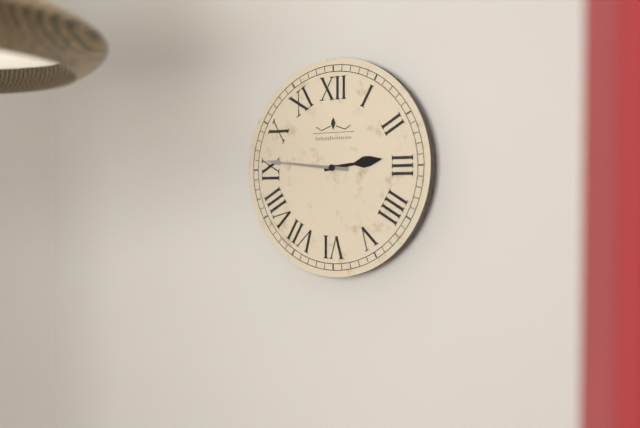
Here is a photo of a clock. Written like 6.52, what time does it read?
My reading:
2.46
